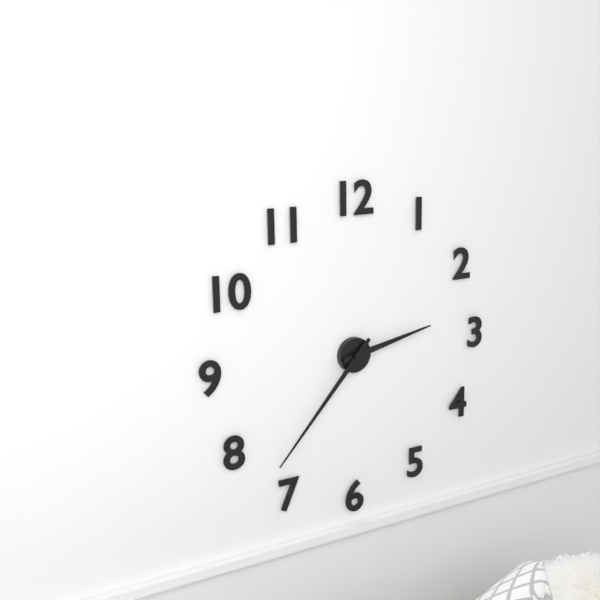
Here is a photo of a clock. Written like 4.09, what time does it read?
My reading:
2.37
